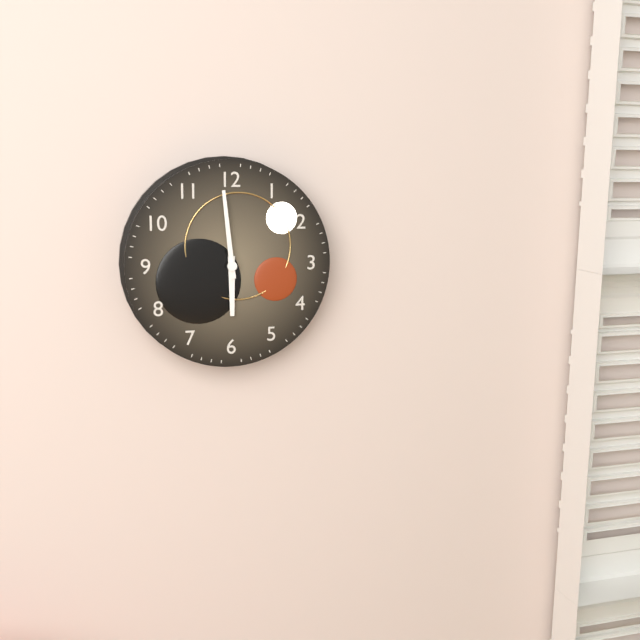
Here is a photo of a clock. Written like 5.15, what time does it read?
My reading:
5.59
